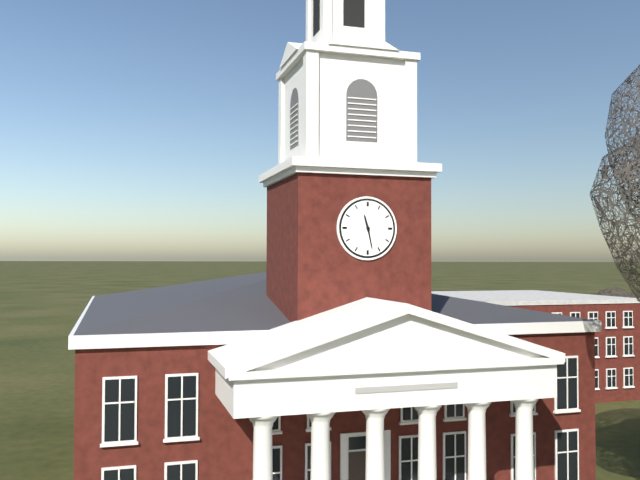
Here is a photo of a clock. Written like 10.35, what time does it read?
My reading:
11.28
